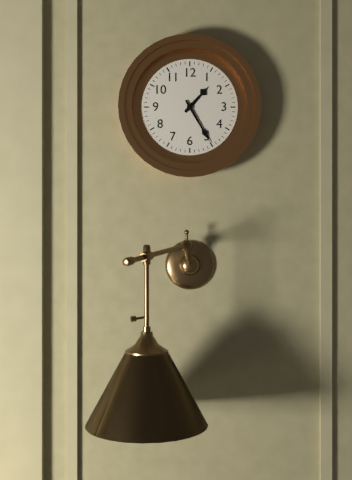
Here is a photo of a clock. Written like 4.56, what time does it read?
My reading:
1.25
